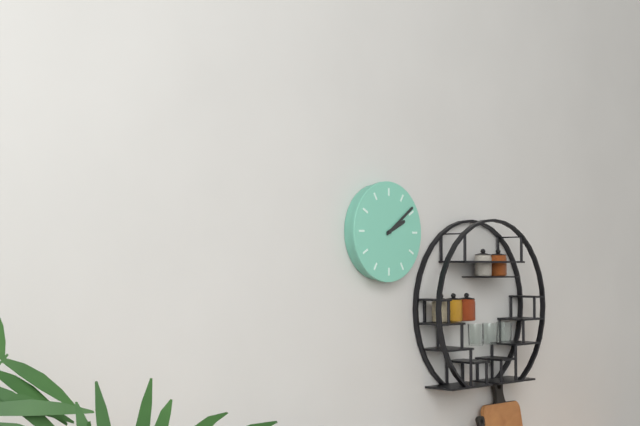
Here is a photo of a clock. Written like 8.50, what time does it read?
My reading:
2.09
